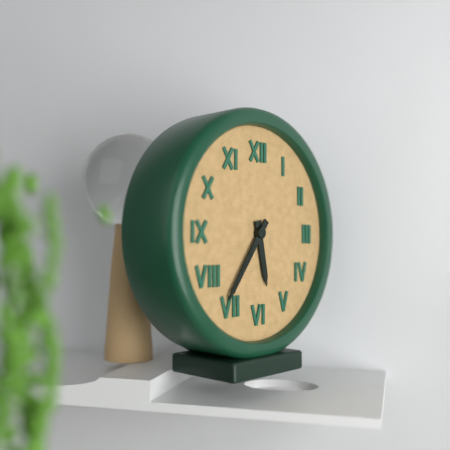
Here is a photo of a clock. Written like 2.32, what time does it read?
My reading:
5.36
